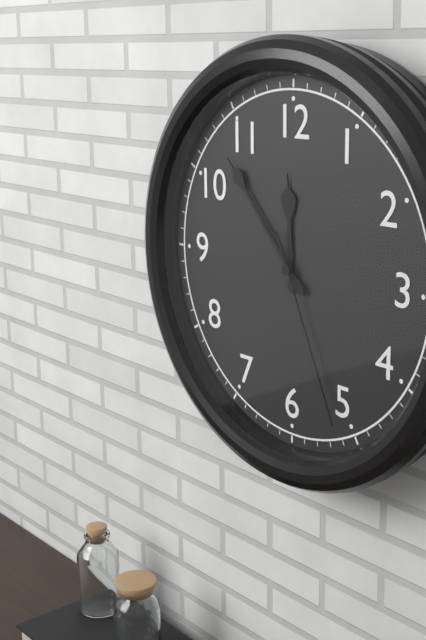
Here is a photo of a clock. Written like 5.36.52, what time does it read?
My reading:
11.53.26
